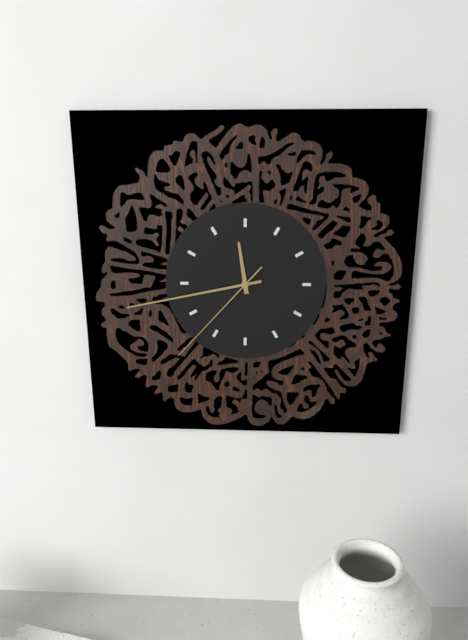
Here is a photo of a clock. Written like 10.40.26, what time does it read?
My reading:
11.43.37
